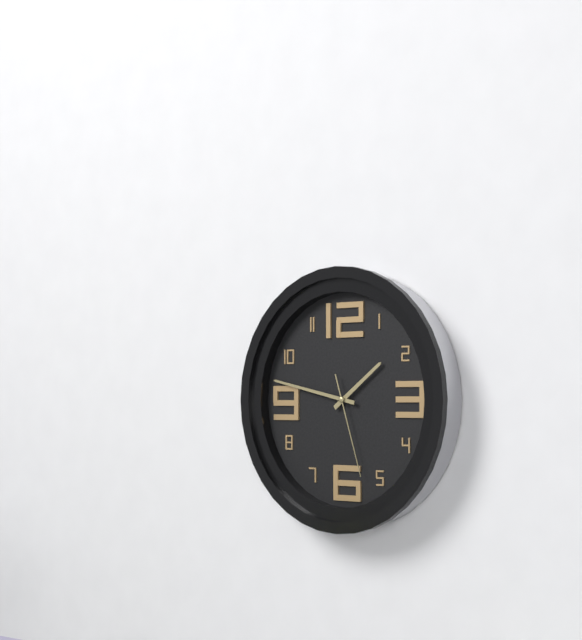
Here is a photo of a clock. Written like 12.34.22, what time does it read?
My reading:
1.47.27
